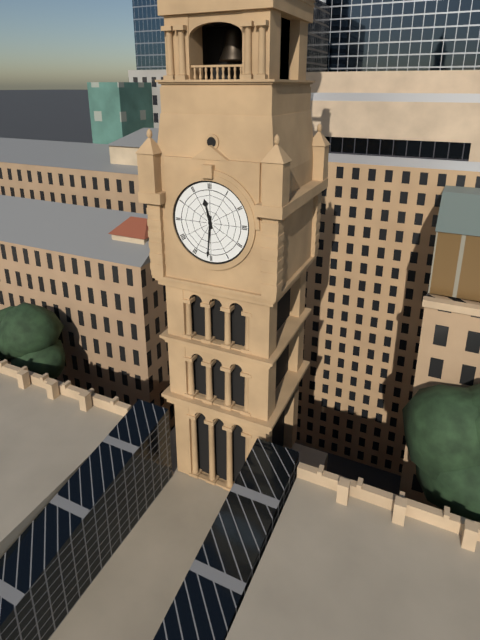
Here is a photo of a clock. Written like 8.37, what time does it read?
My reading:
11.31
